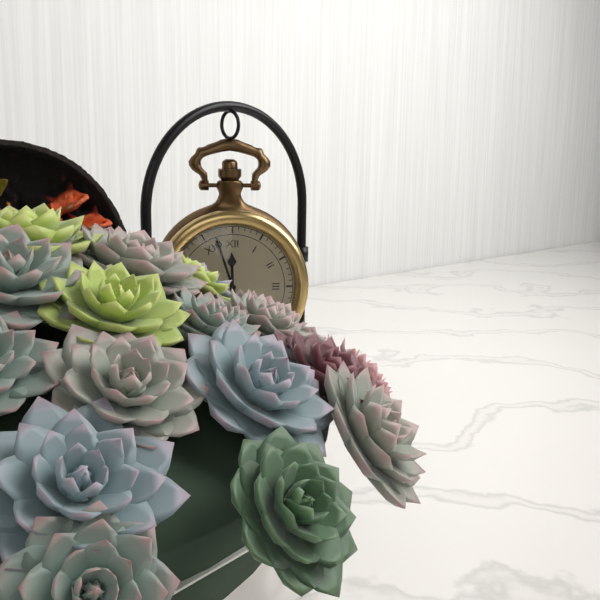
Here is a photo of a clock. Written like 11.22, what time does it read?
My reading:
11.57
